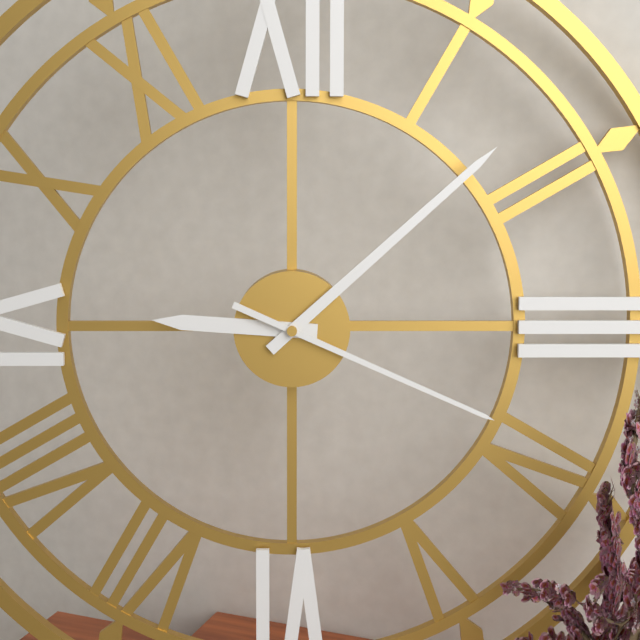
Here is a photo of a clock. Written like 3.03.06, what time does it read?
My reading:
9.08.19
